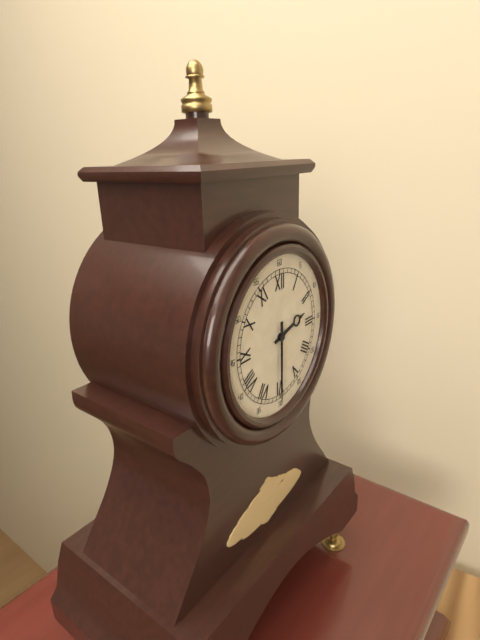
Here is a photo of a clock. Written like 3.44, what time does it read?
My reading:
2.30
